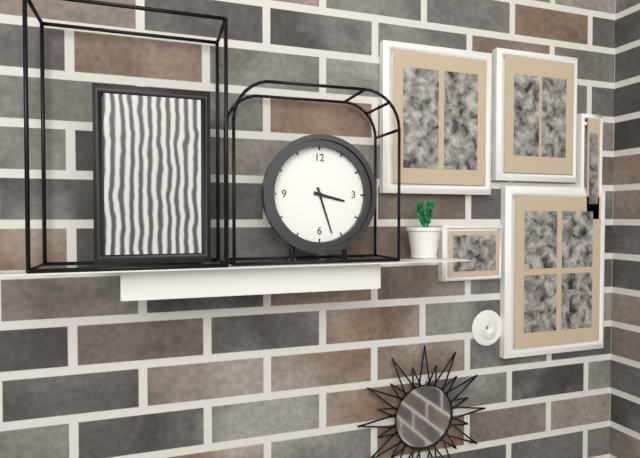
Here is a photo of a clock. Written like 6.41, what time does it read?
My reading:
3.27
